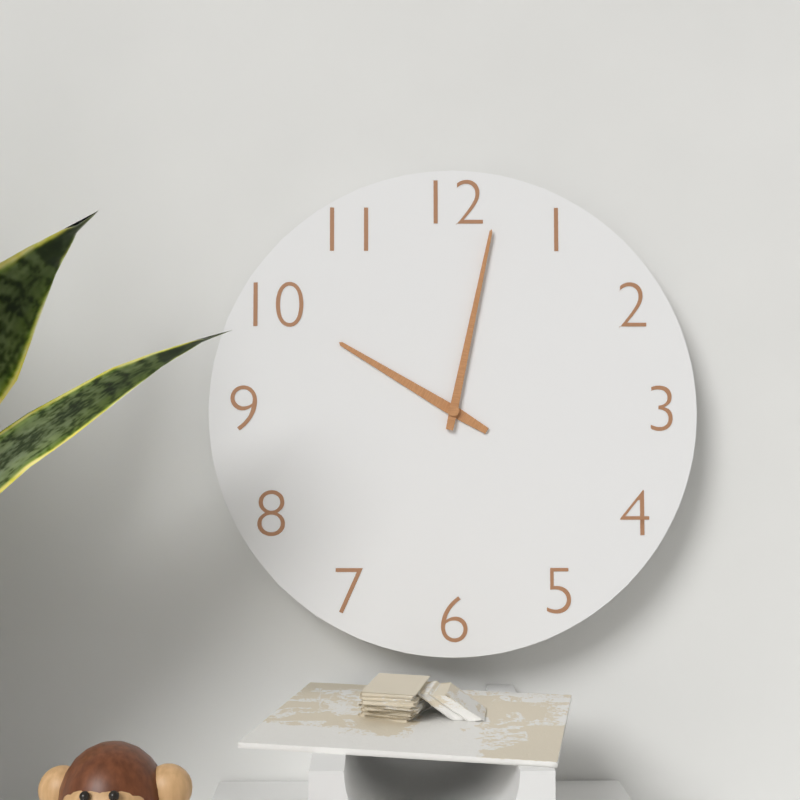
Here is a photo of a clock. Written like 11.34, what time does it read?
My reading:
10.02
